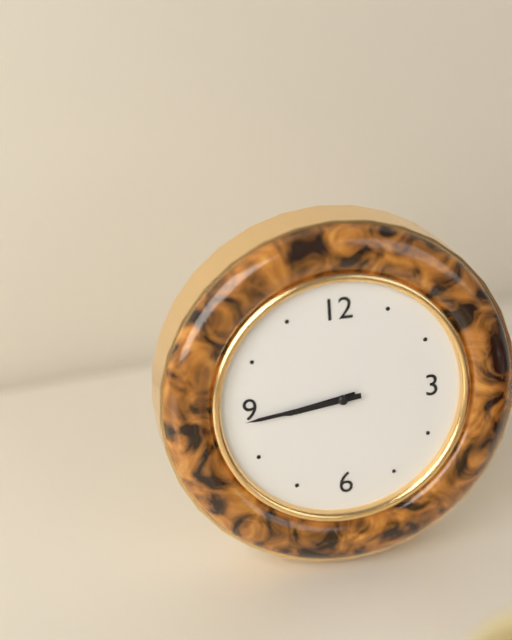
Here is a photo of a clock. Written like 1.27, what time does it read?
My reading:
8.44
